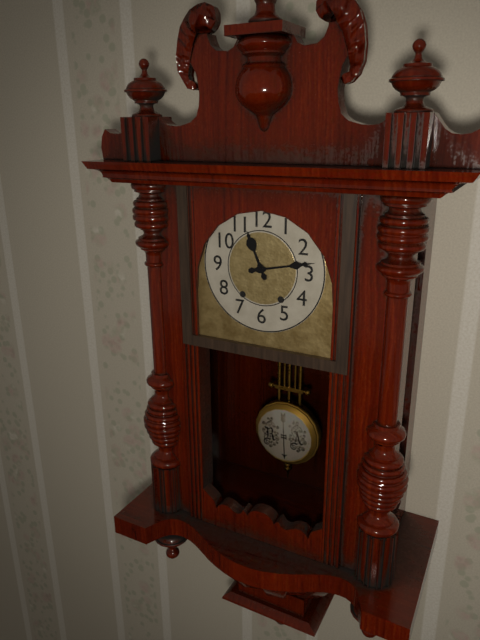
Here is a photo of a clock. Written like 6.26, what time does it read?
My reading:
11.13
